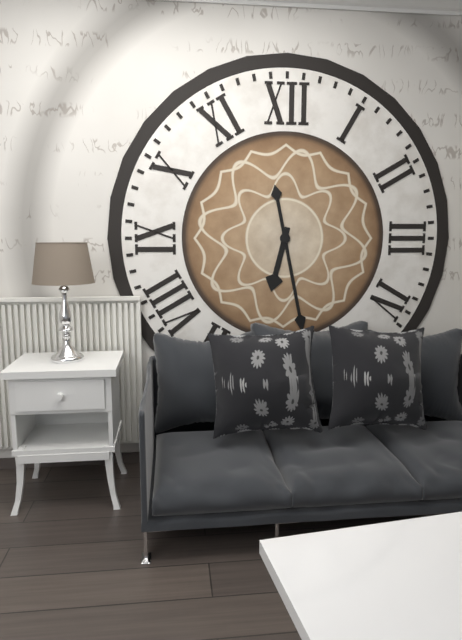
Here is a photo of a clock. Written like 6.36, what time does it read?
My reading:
6.28
